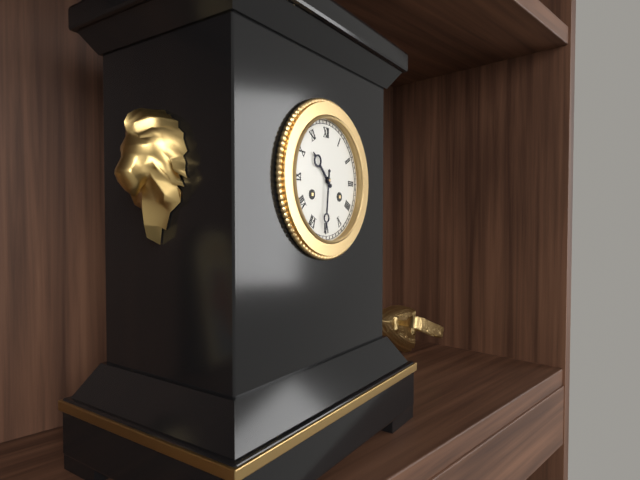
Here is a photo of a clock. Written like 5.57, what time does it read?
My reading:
10.31
